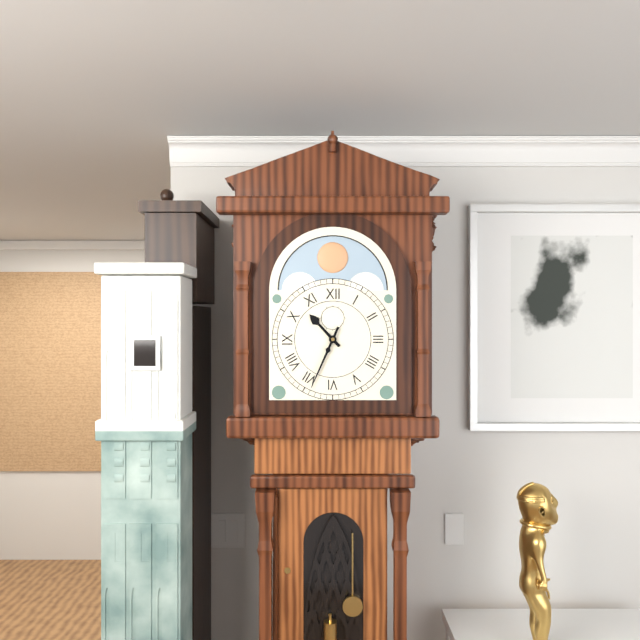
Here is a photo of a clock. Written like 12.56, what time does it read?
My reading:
10.34
